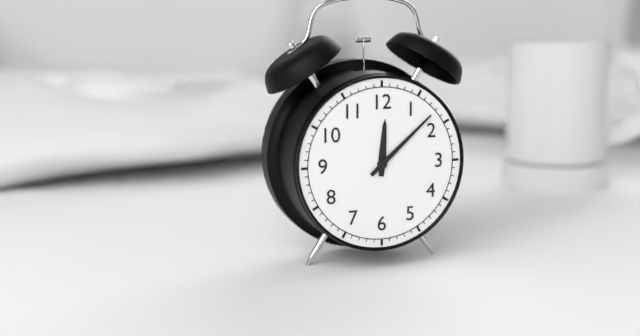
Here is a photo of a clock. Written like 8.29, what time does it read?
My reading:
12.08
